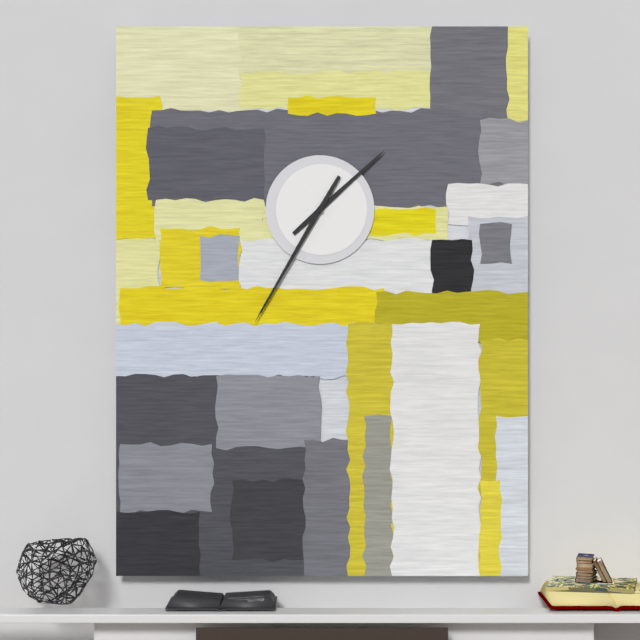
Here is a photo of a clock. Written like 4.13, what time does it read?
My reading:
1.35
